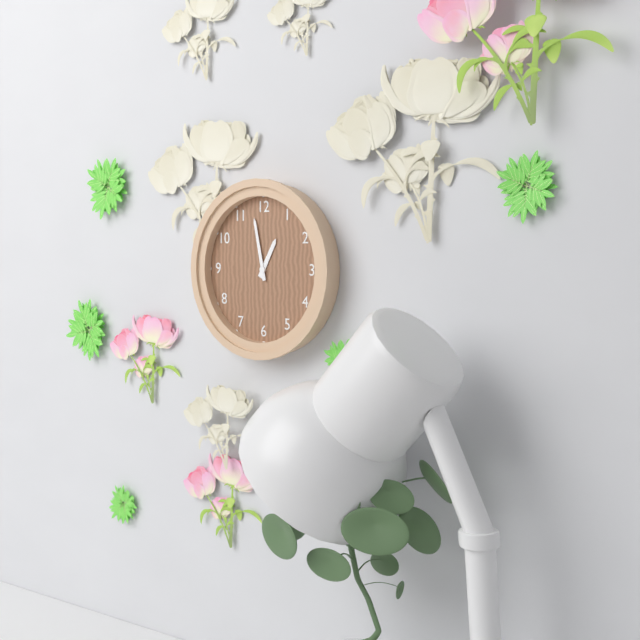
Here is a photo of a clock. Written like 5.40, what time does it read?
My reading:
12.58
